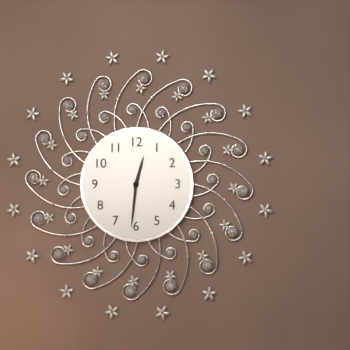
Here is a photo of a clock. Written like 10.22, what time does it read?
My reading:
12.31
